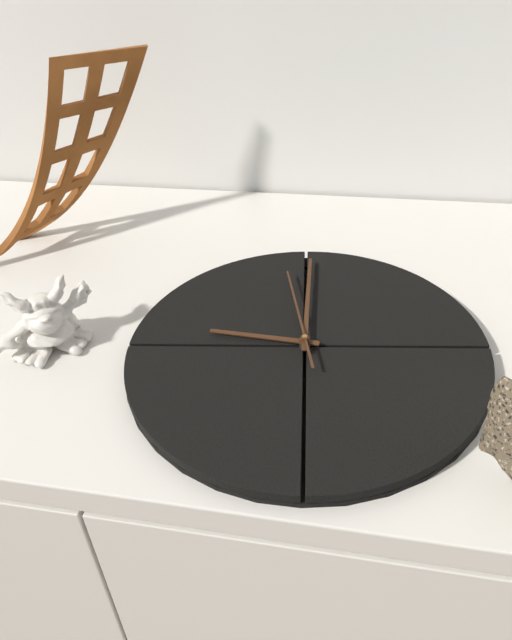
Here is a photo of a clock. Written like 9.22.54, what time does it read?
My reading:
10.04.02
